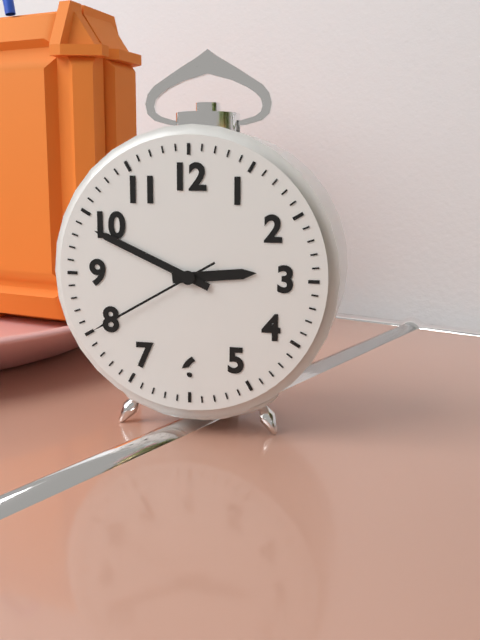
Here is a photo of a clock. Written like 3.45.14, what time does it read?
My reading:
2.49.40
